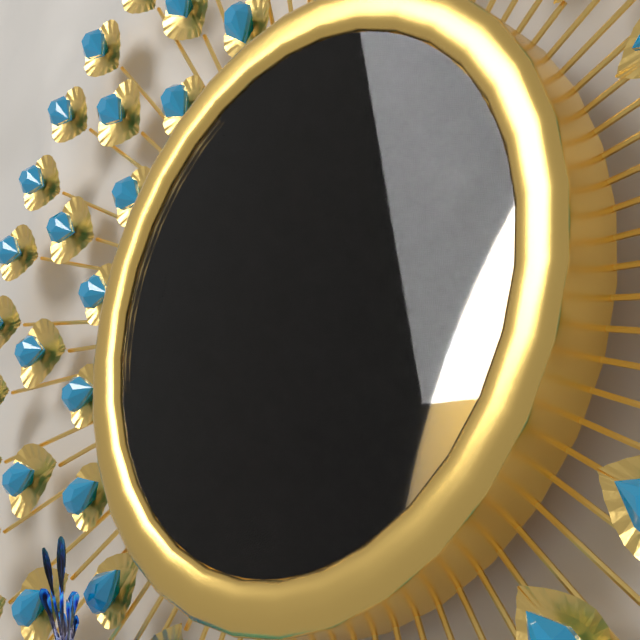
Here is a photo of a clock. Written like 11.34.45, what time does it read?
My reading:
4.16.03
